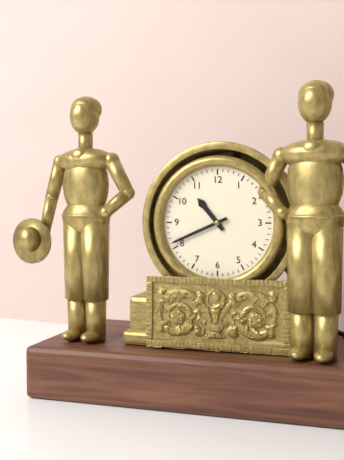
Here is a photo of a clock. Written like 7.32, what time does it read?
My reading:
10.41
